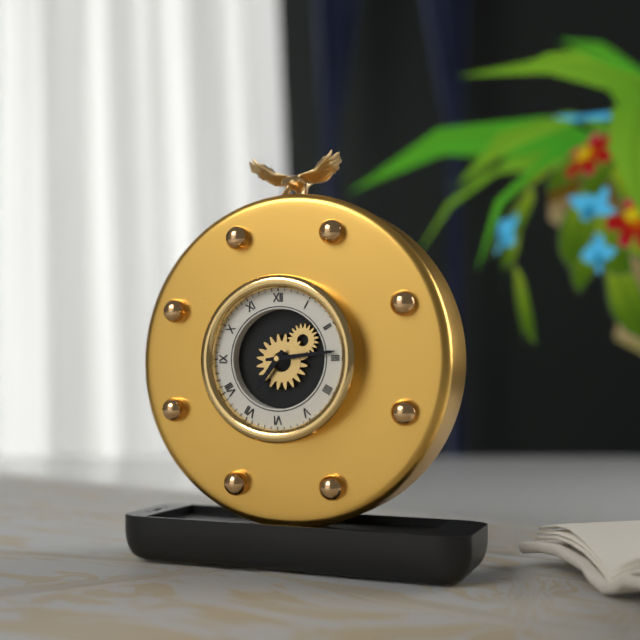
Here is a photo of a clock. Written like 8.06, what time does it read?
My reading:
7.14
